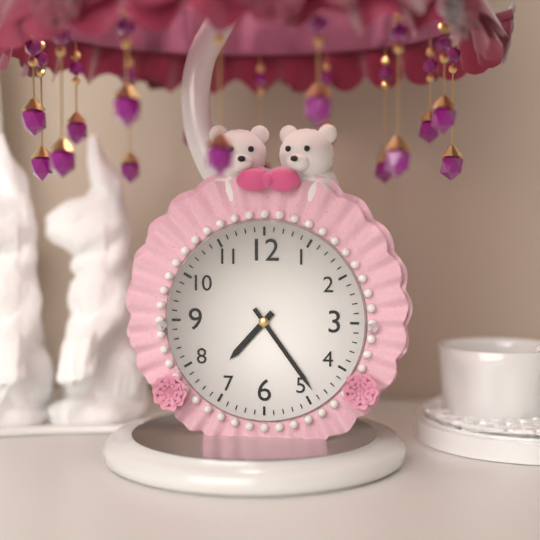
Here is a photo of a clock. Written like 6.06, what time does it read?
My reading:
7.24
